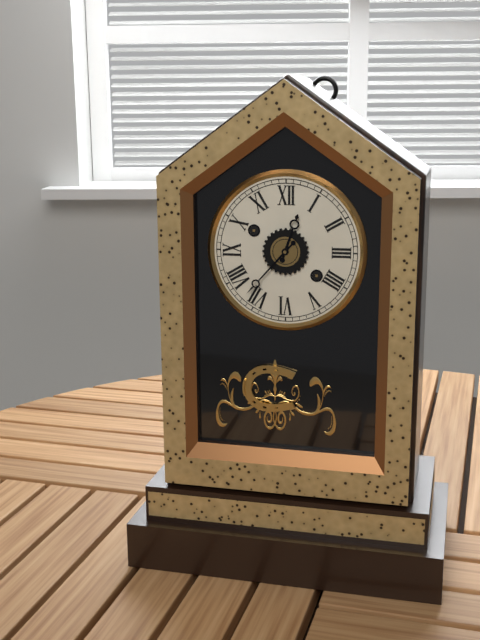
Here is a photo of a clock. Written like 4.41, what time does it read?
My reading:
12.37
